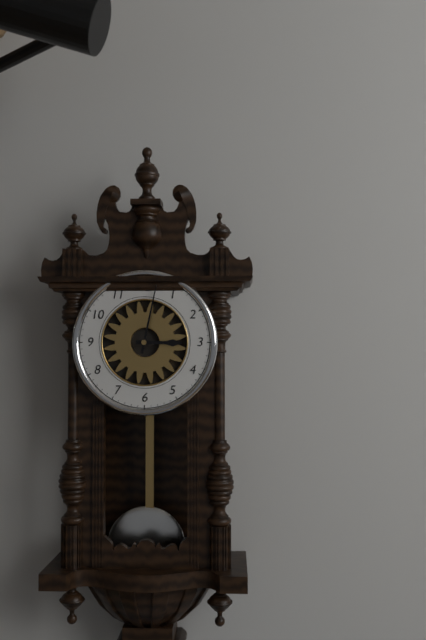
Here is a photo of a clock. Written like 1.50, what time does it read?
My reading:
3.02
